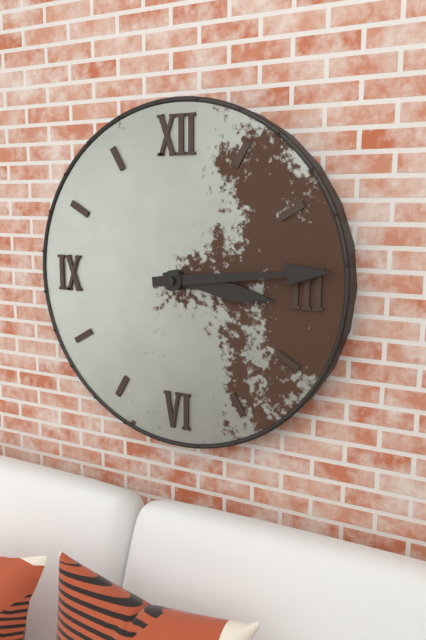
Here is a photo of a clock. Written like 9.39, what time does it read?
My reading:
3.14
